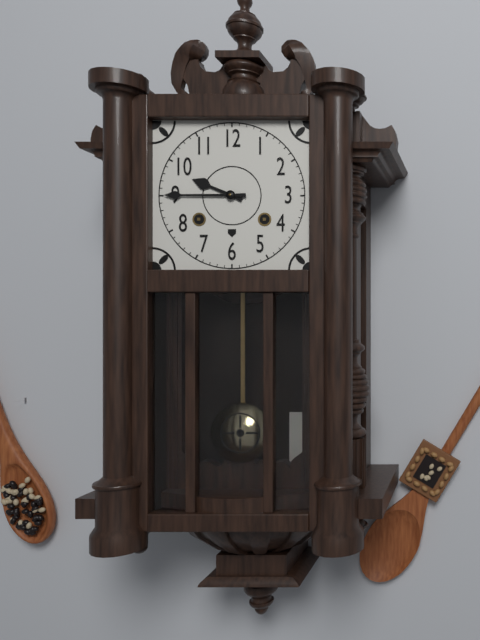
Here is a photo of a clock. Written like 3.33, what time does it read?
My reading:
9.45
